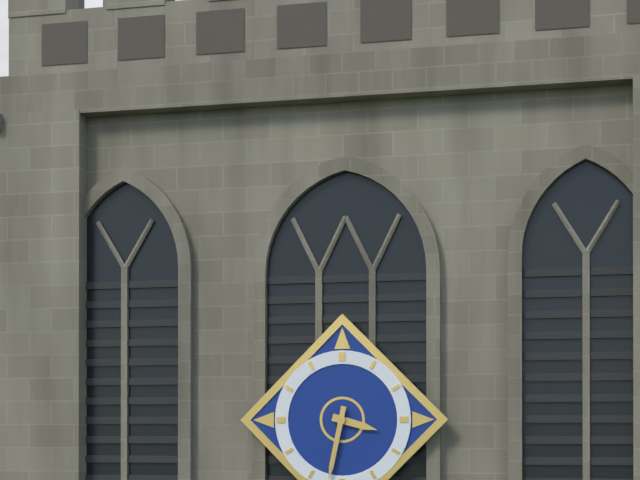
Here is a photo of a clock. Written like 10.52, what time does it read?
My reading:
3.32
